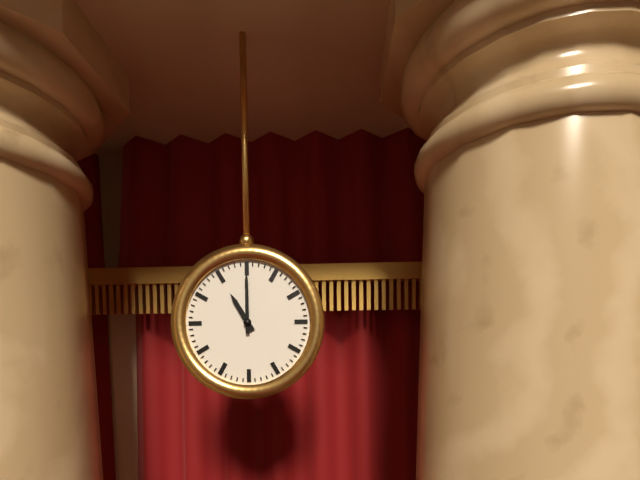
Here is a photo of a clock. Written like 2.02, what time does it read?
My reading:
11.00
